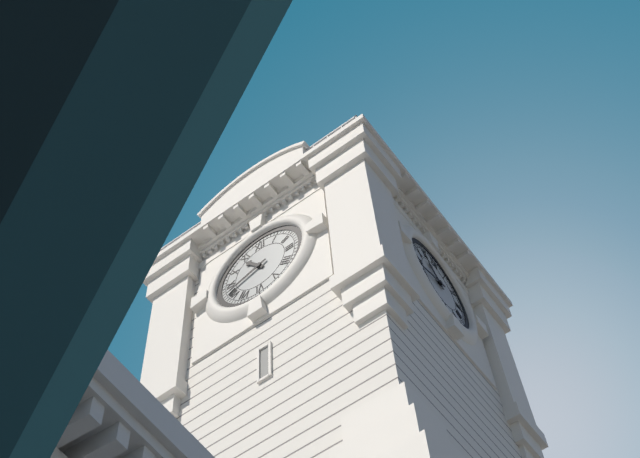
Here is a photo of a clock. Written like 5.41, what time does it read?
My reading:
10.42
